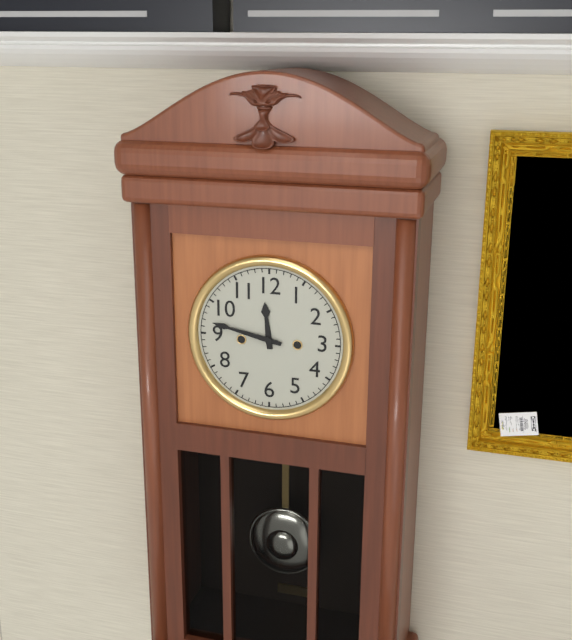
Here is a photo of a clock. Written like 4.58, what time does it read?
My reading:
11.47
